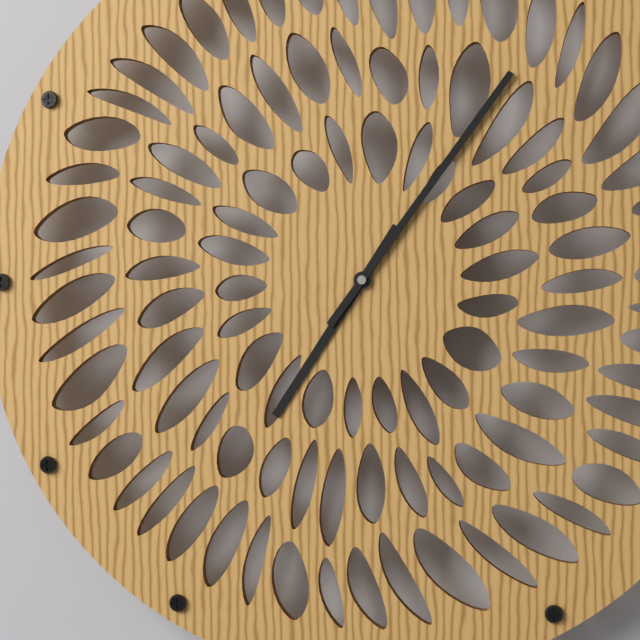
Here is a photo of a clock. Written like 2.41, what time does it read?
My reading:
7.06
